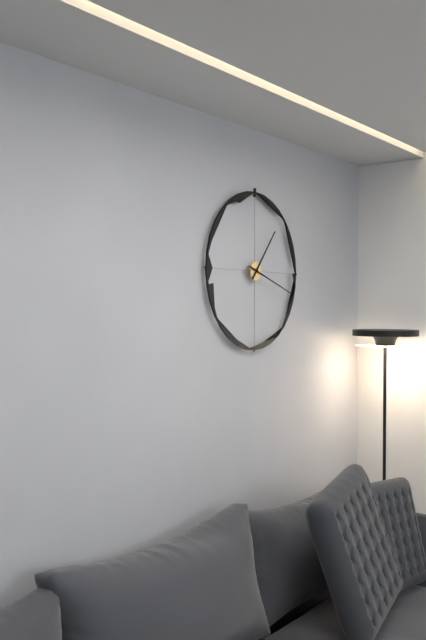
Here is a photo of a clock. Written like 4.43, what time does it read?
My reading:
1.18
